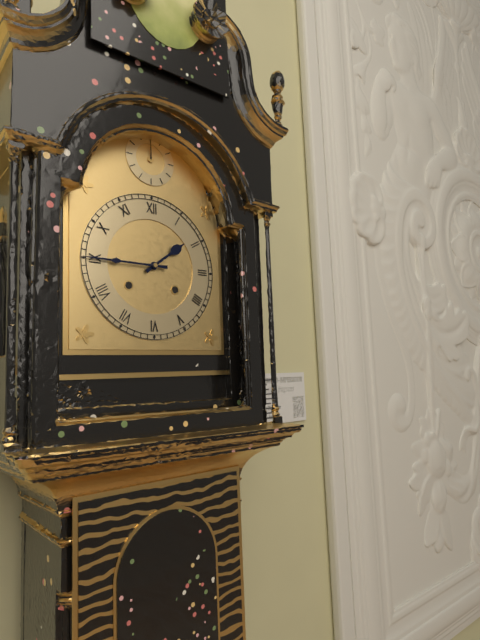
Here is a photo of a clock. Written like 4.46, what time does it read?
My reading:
1.45
